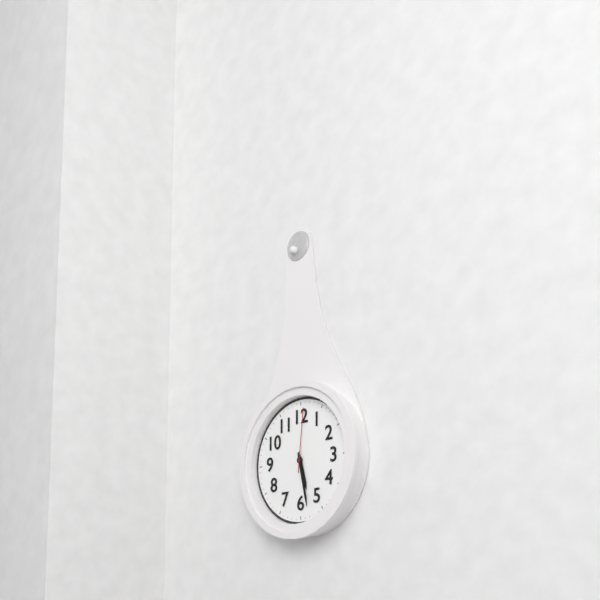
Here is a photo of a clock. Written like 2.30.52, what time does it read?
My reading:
5.28.01
